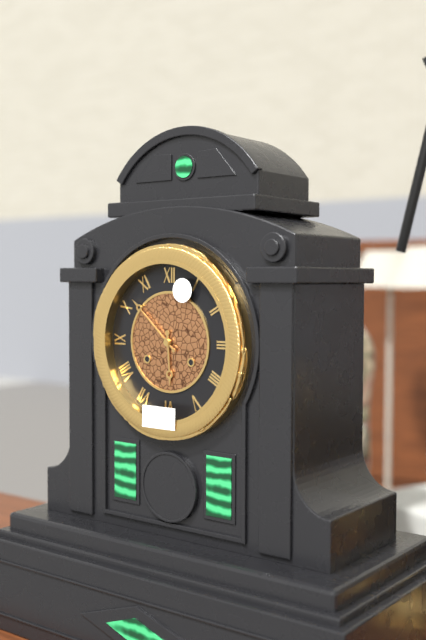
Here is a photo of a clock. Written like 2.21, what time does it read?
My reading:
5.52
